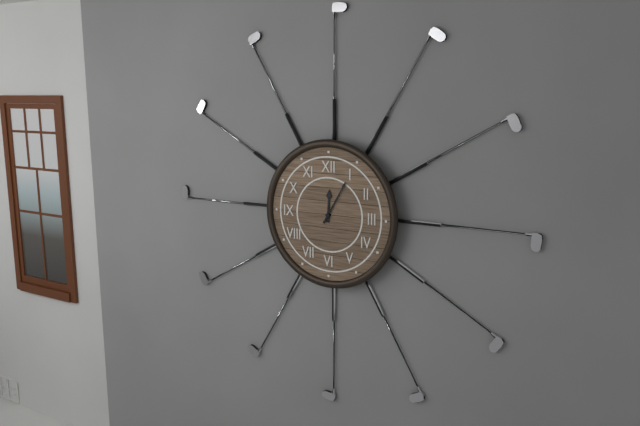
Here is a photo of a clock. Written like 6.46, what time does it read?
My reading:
12.05
